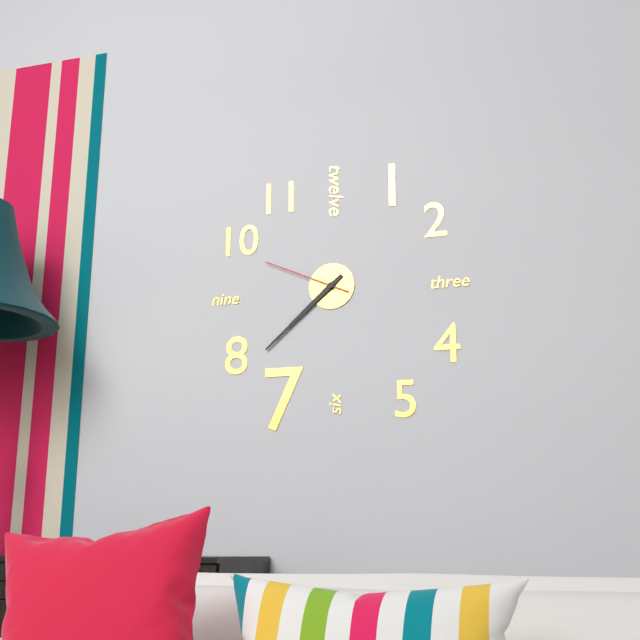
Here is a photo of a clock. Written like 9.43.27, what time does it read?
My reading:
7.38.49
